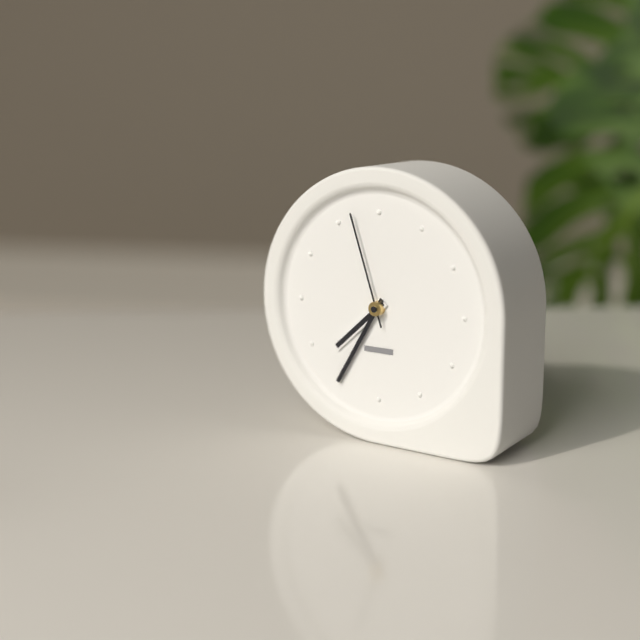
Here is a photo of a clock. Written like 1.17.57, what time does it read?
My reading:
7.35.57
